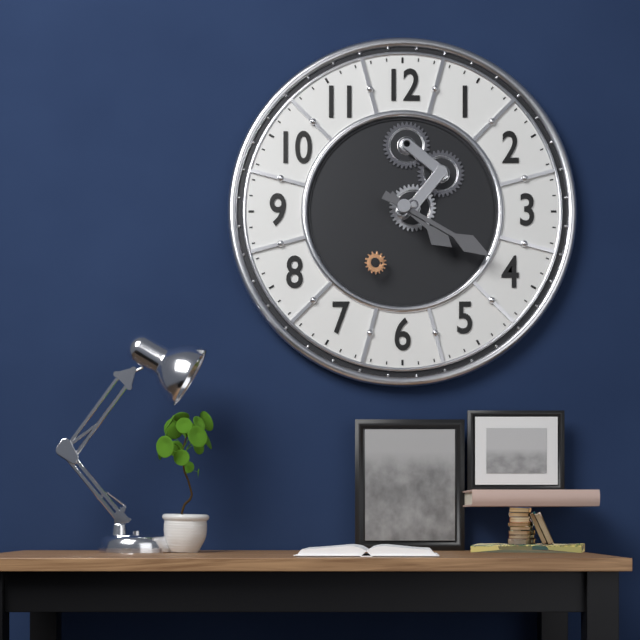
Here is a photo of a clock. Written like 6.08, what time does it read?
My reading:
4.20
